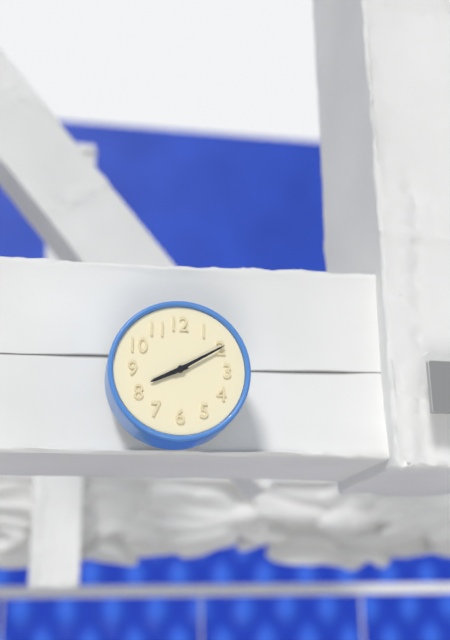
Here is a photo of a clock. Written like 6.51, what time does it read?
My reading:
8.10
